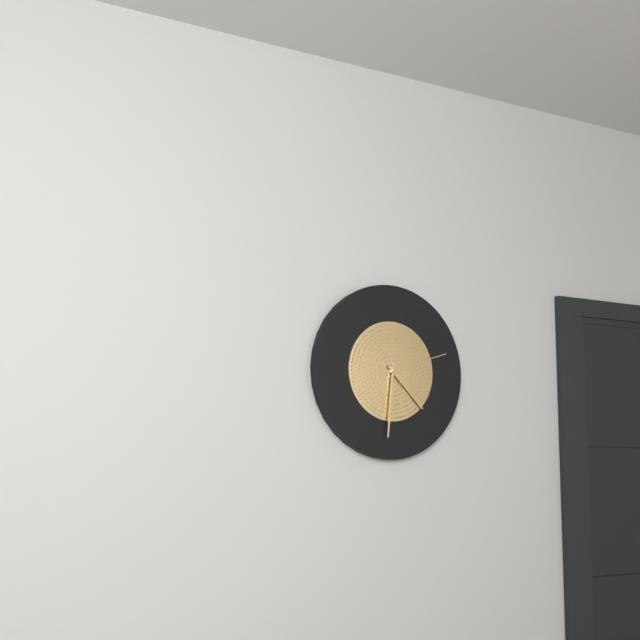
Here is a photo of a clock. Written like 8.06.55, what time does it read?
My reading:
4.31.12
